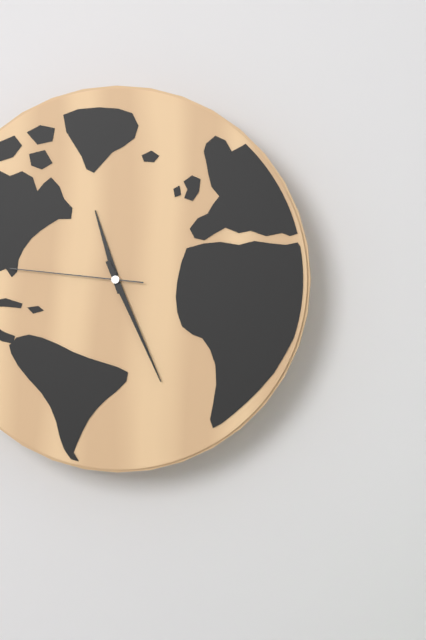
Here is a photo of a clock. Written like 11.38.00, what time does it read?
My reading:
11.26.46
